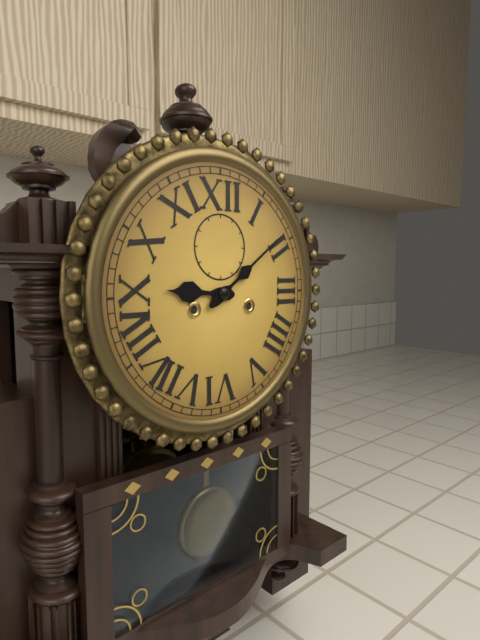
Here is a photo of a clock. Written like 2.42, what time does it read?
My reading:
9.09
